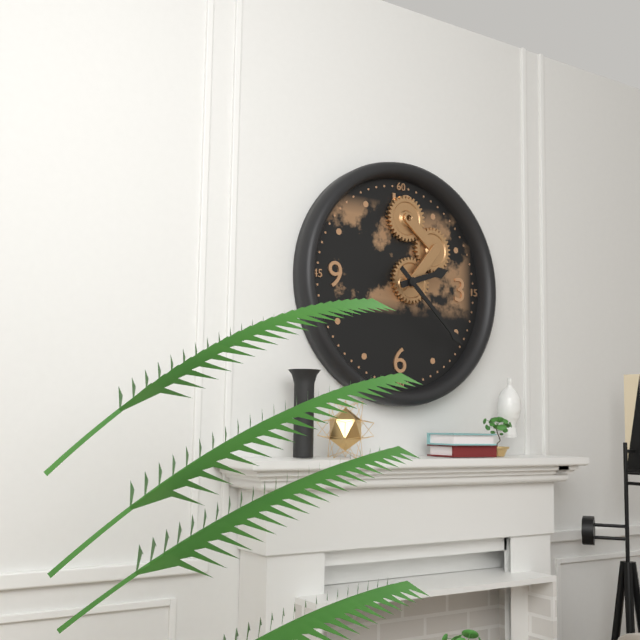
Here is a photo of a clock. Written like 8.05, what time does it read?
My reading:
2.22
